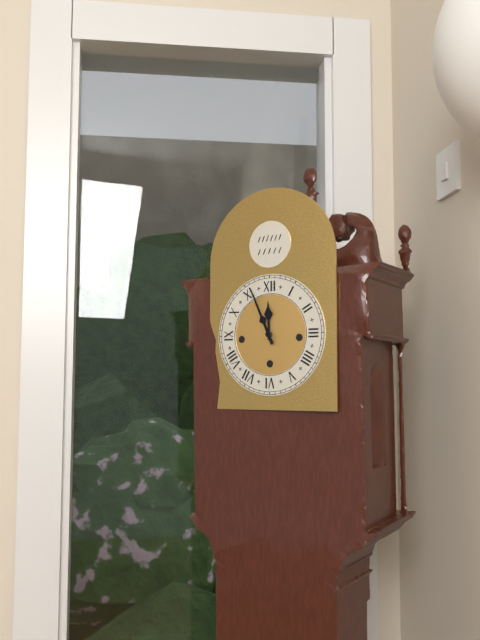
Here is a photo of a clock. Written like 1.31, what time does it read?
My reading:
11.56
